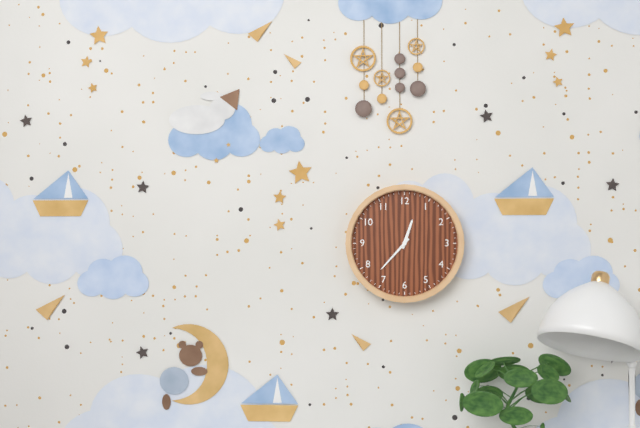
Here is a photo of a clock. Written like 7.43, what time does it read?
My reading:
12.37
